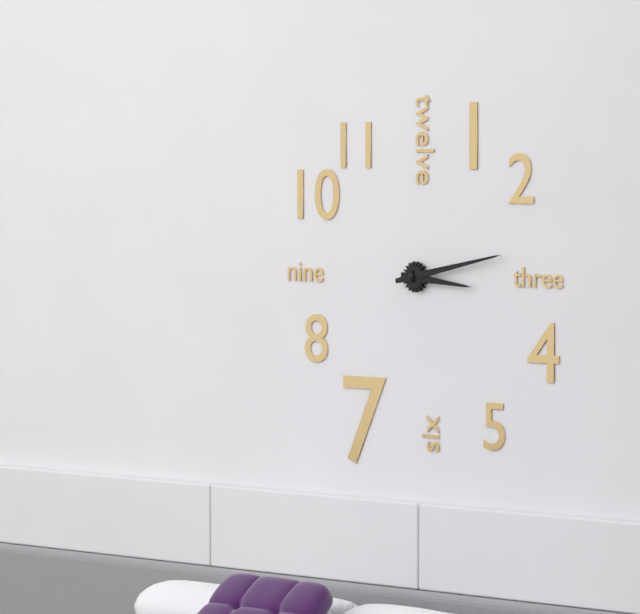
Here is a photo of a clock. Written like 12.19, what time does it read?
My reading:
3.13
